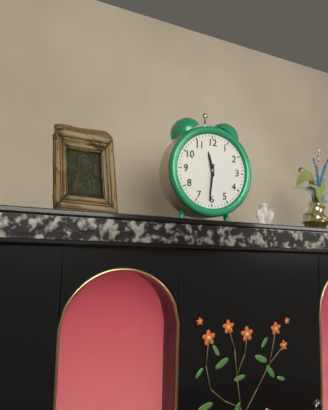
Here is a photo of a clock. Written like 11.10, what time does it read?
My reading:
11.31
